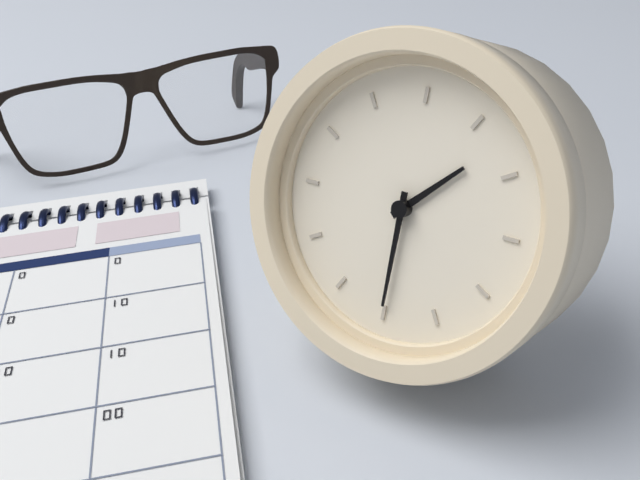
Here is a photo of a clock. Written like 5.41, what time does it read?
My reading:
1.30
